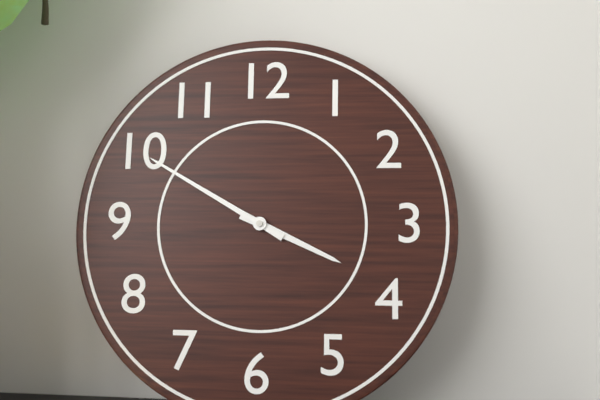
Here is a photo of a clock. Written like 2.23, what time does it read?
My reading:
3.50
